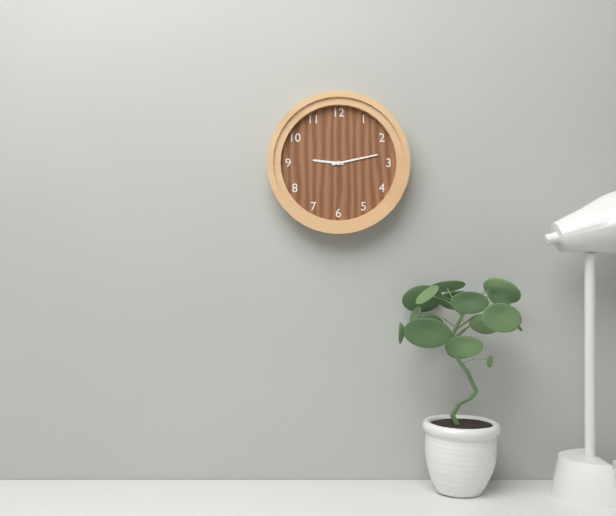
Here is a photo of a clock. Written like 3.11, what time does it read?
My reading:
9.13
